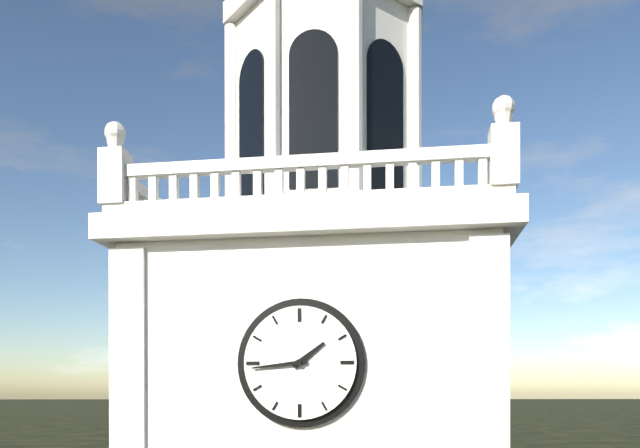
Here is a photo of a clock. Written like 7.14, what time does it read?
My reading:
1.44
